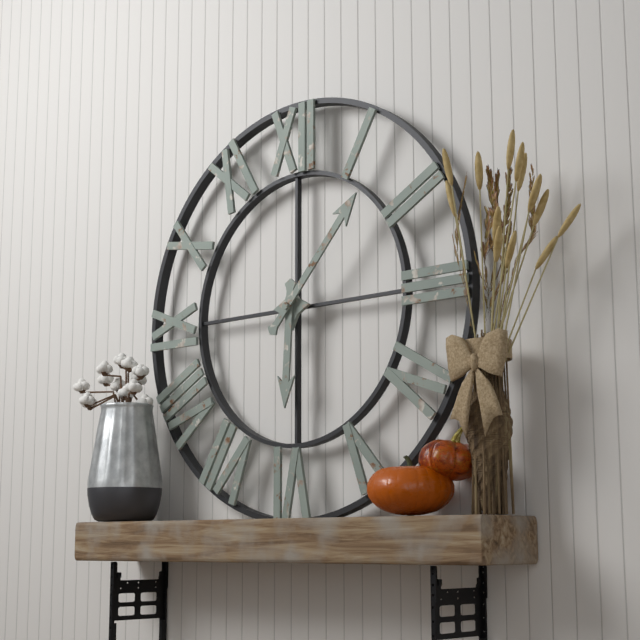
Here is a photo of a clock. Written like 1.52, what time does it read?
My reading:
6.07
